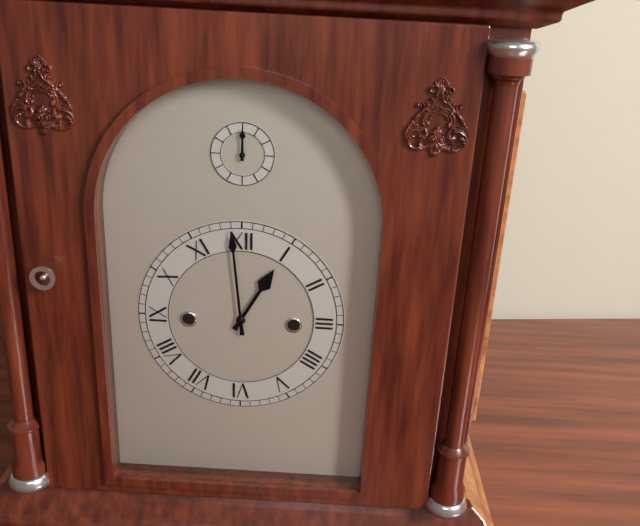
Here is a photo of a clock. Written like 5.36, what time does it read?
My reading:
12.59
